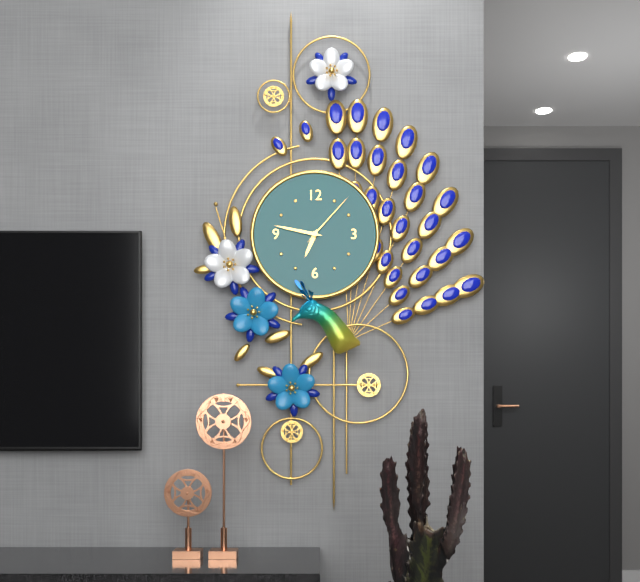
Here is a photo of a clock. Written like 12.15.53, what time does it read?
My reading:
6.47.07
